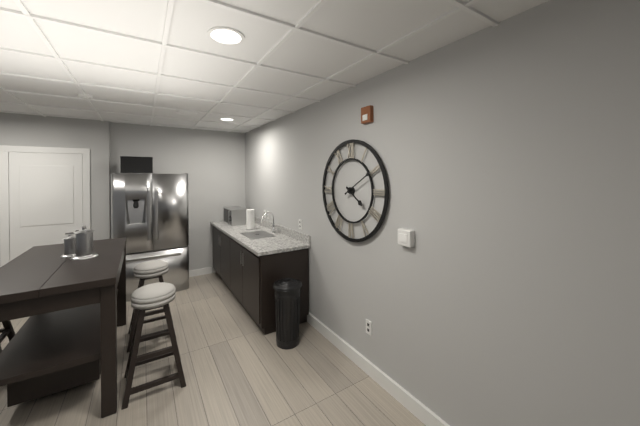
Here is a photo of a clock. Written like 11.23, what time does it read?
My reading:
4.10
